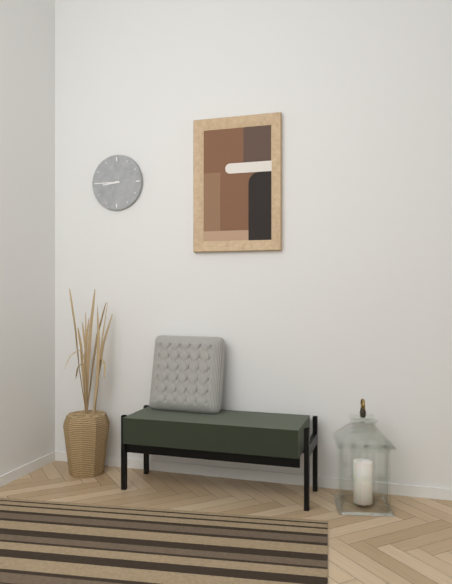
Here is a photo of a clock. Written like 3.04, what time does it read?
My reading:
8.45
